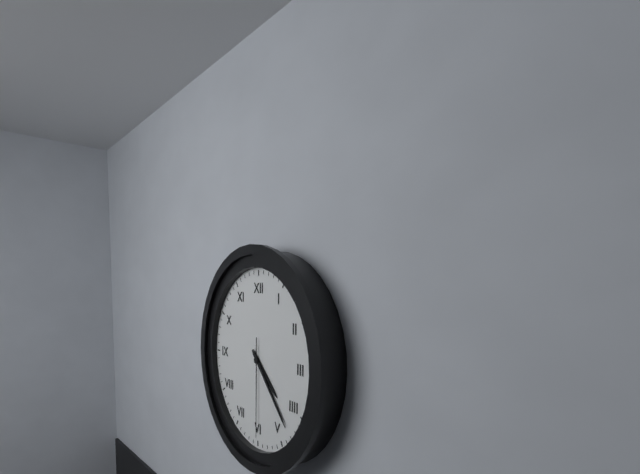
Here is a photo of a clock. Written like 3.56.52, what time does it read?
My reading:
4.23.30
